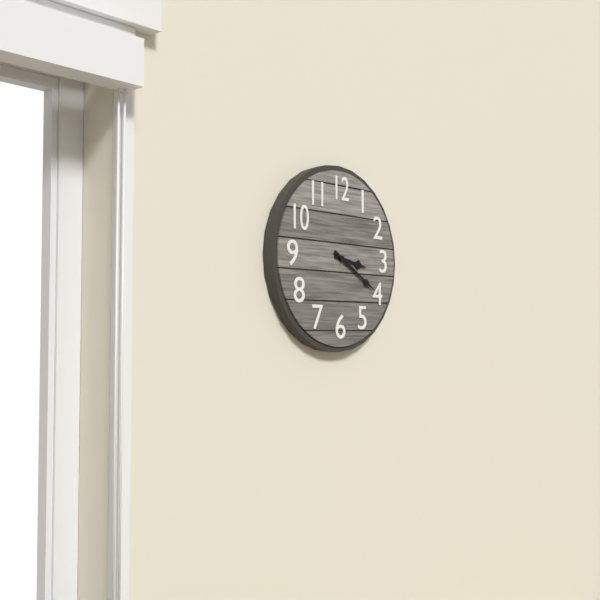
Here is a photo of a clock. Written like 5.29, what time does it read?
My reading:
3.20
